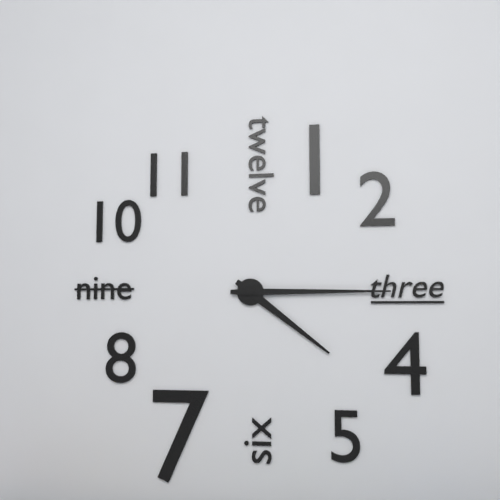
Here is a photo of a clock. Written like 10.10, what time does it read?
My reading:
4.15
